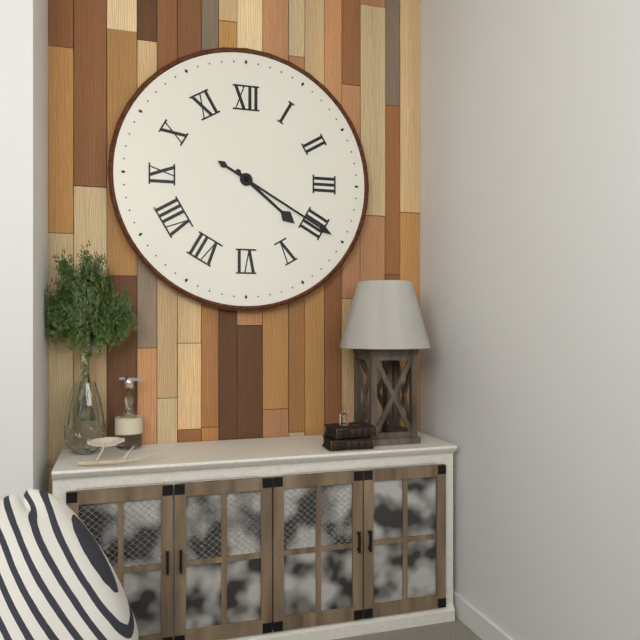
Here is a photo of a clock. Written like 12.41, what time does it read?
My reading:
4.20
